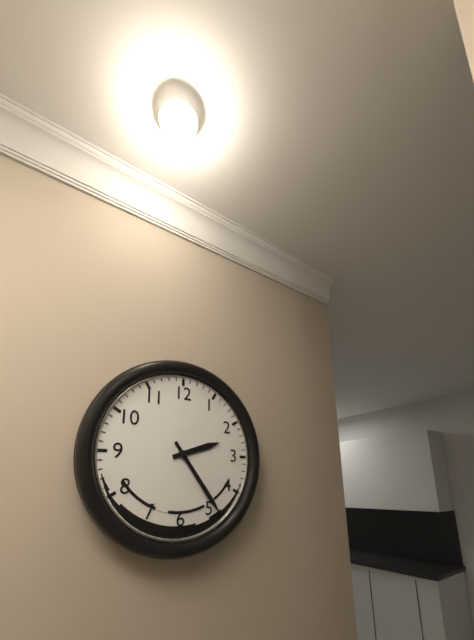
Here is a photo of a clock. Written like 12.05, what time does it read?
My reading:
2.24
